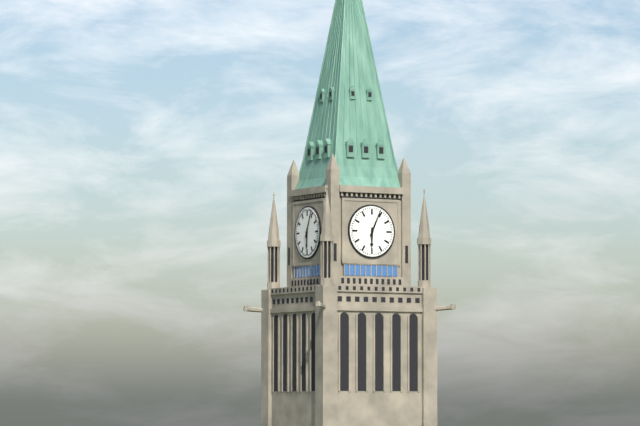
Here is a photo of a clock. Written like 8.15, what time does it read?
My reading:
6.04
